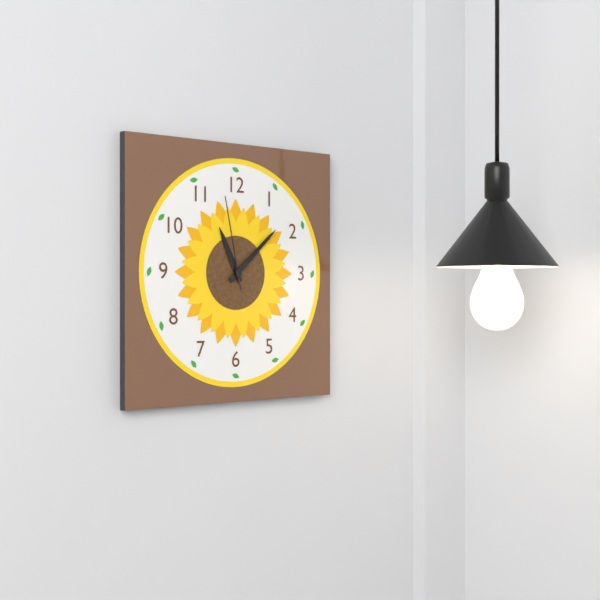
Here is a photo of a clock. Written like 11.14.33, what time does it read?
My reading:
11.08.58
